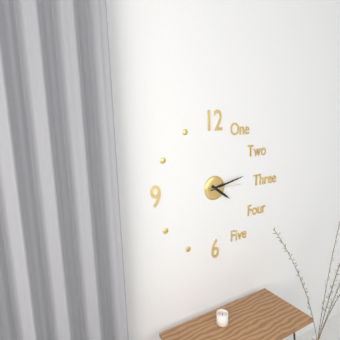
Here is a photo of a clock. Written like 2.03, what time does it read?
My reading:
4.13
